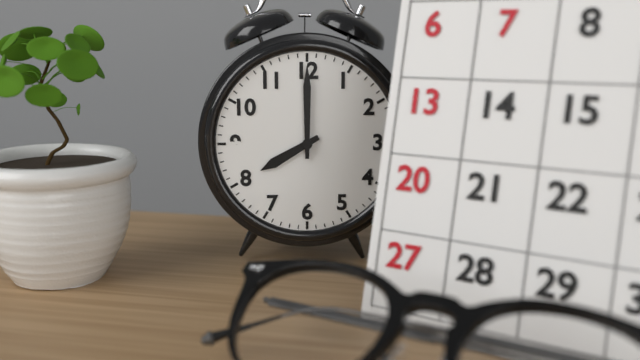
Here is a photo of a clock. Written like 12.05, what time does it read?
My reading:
8.00
